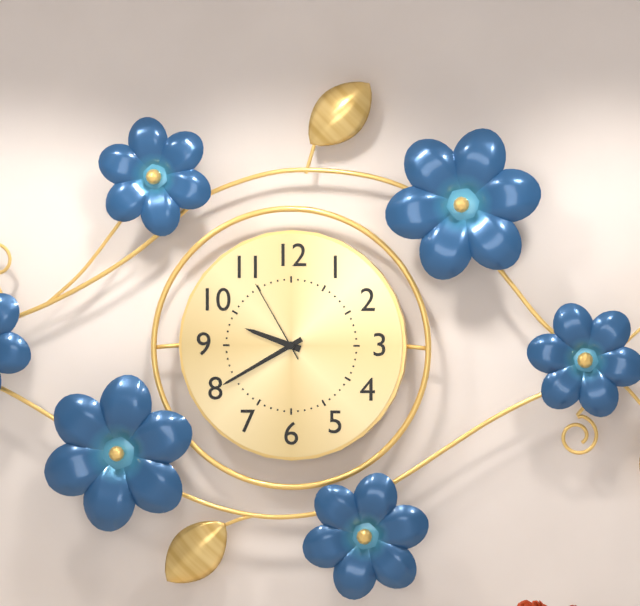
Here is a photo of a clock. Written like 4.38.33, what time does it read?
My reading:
9.40.55
